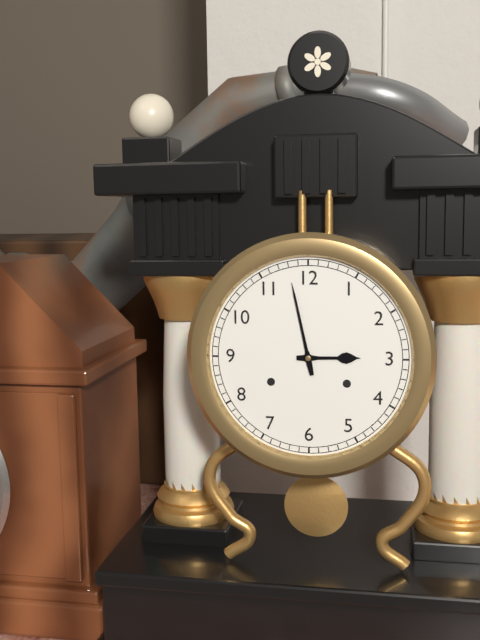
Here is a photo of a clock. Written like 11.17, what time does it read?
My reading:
2.58
